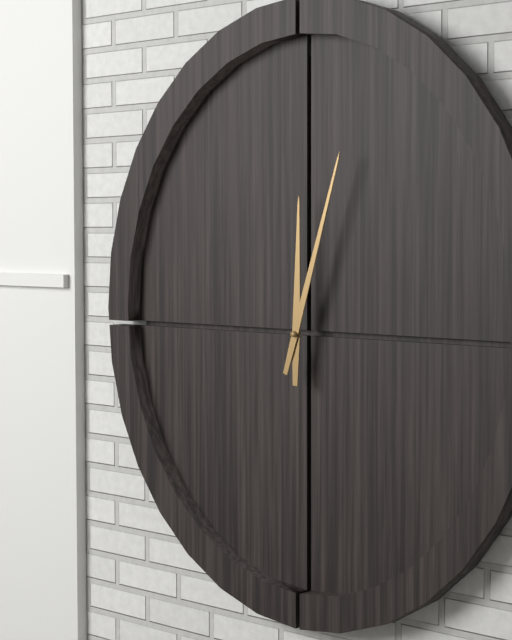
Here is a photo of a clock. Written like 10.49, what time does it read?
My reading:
12.03
